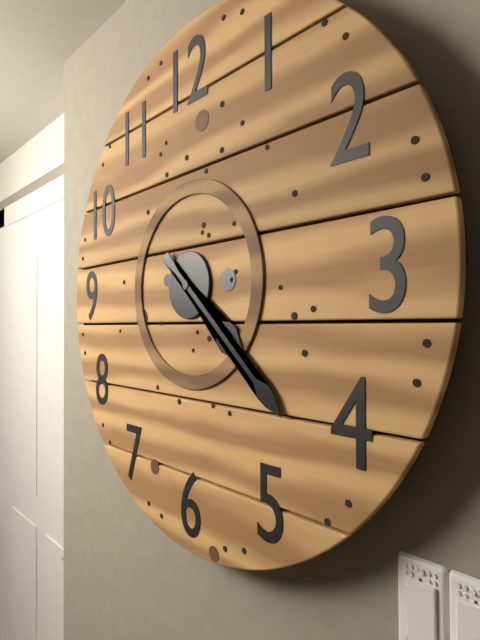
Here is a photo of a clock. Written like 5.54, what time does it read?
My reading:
4.22
